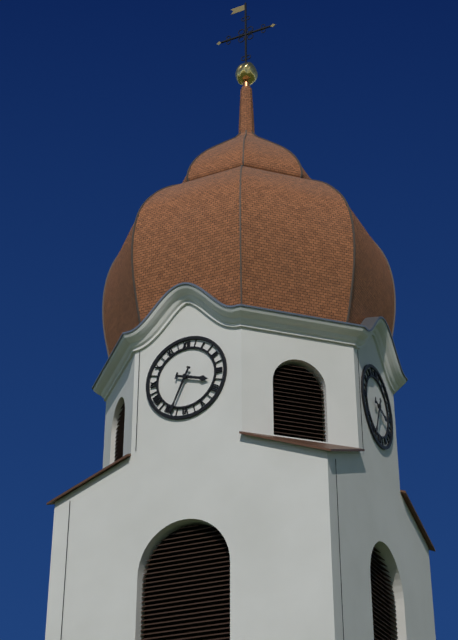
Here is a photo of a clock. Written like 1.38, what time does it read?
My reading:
3.34
